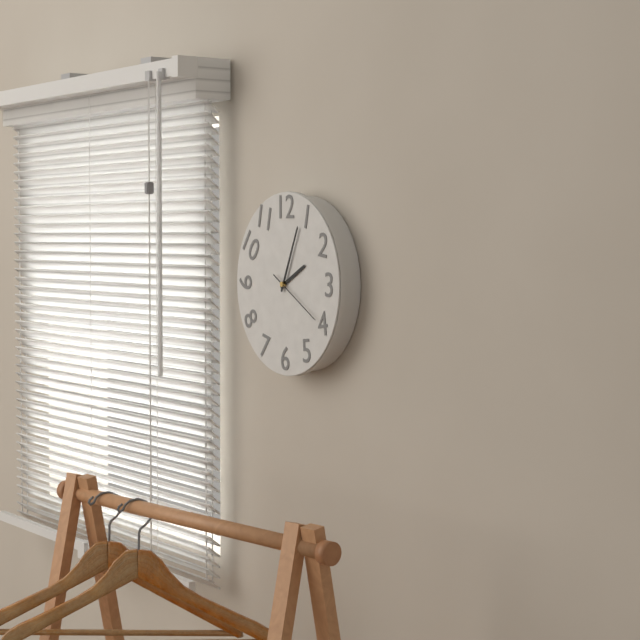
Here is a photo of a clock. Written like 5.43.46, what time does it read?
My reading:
2.04.20
